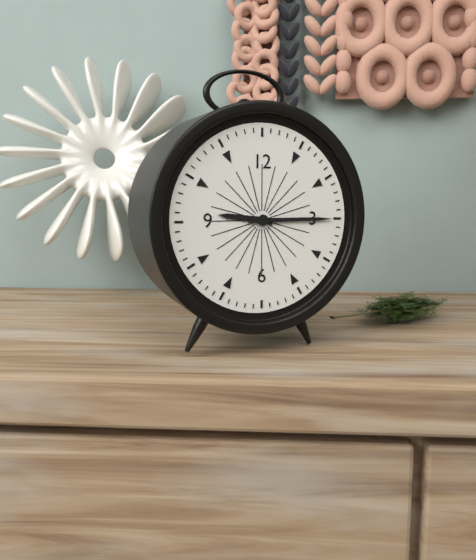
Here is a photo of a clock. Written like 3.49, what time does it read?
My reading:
9.15
